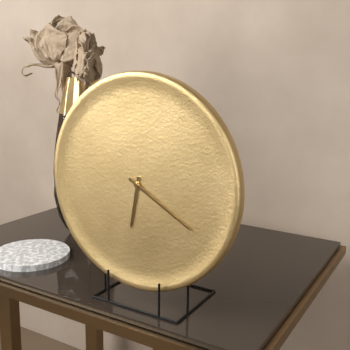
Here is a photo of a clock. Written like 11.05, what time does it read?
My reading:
6.20
